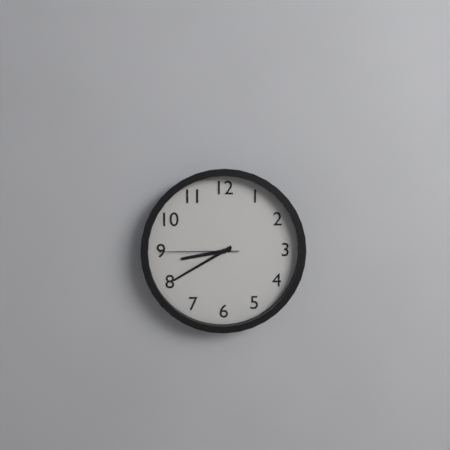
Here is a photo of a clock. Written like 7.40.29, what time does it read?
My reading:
8.40.45
